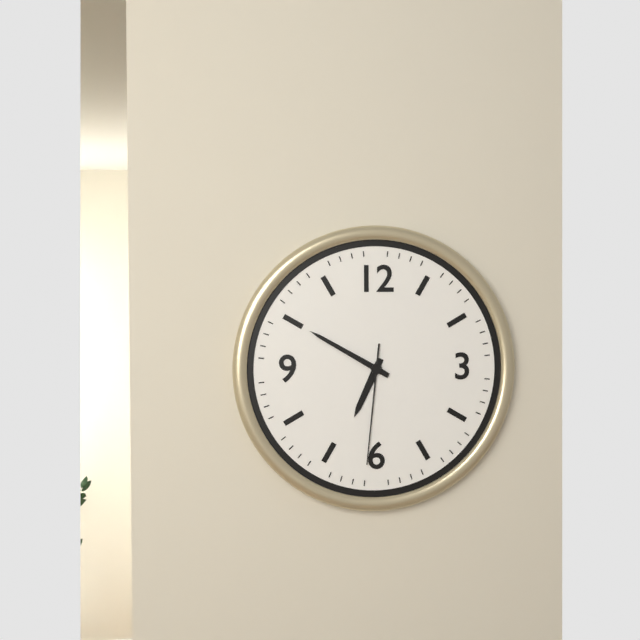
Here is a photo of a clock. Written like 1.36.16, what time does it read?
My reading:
6.50.31
